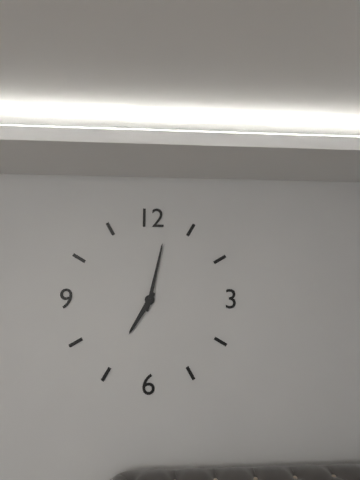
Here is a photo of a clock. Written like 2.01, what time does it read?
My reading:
7.02
